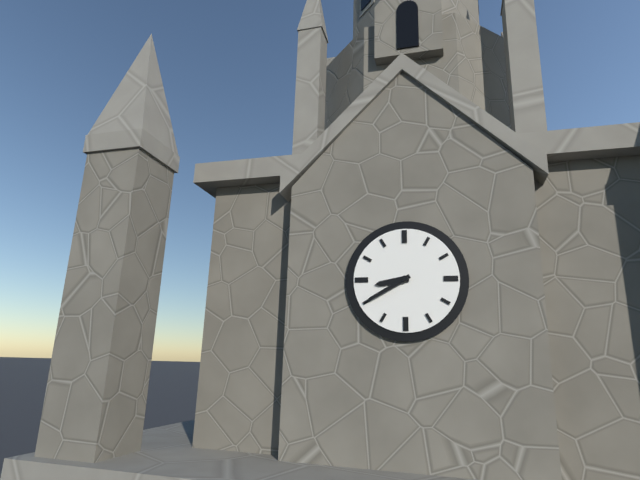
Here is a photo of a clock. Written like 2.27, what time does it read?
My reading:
8.40
